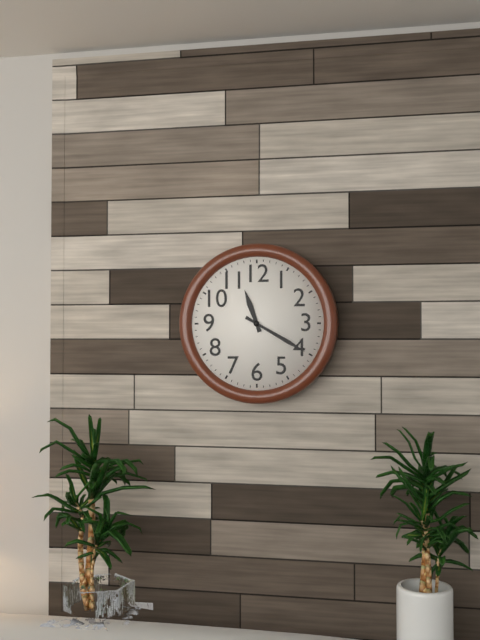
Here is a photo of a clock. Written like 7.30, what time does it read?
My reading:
11.20
